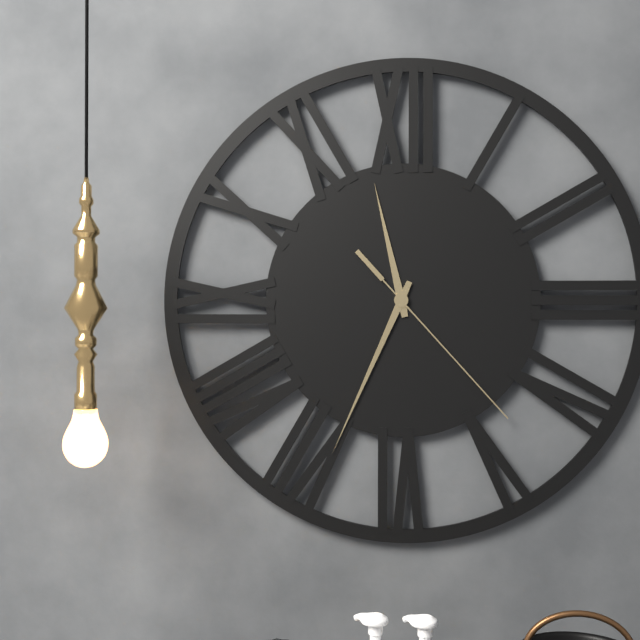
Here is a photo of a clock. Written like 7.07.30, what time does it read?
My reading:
11.34.23
